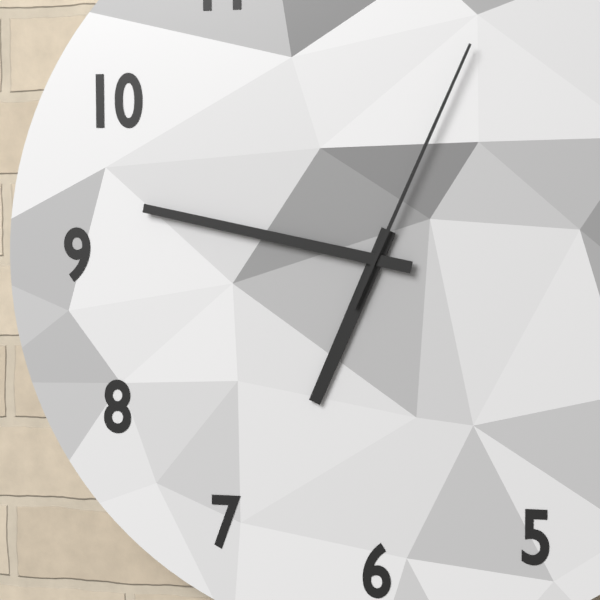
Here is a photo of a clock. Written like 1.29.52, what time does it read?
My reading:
6.47.04
